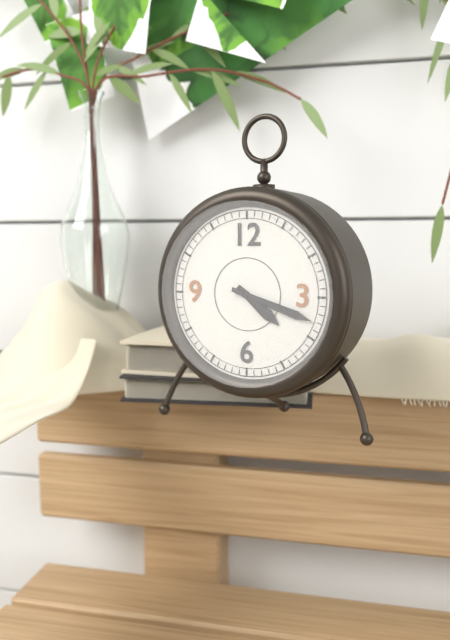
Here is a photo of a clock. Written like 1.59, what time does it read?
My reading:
4.18
